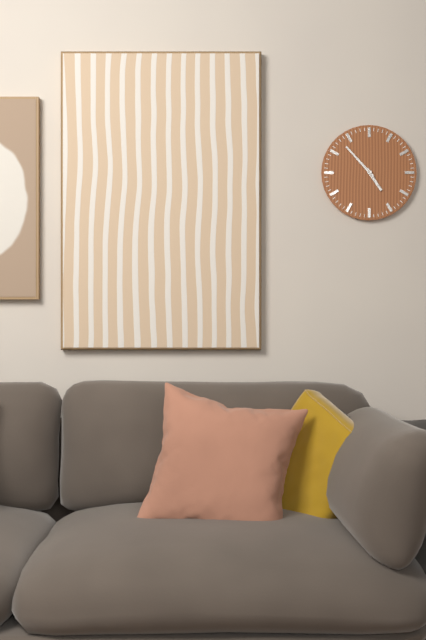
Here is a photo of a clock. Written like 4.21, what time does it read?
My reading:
4.53
